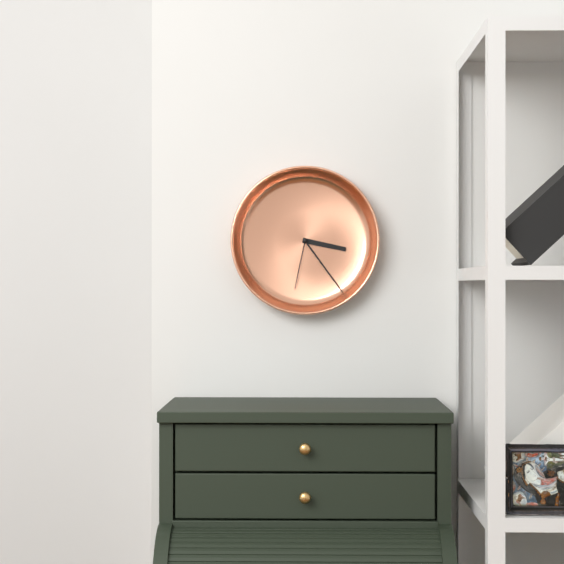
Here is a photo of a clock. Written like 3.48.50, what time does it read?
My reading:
3.24.32
